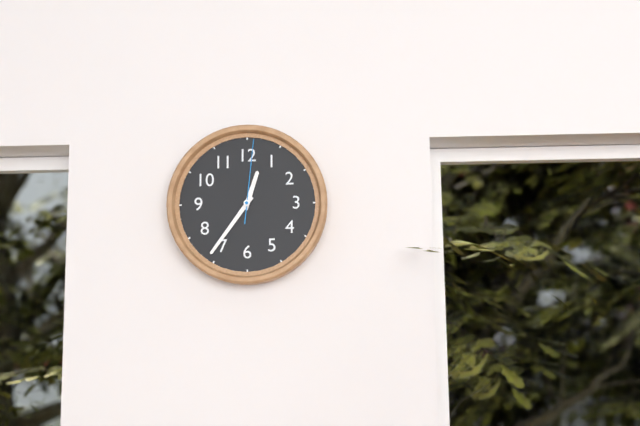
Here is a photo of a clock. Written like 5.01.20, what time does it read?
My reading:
12.36.01
